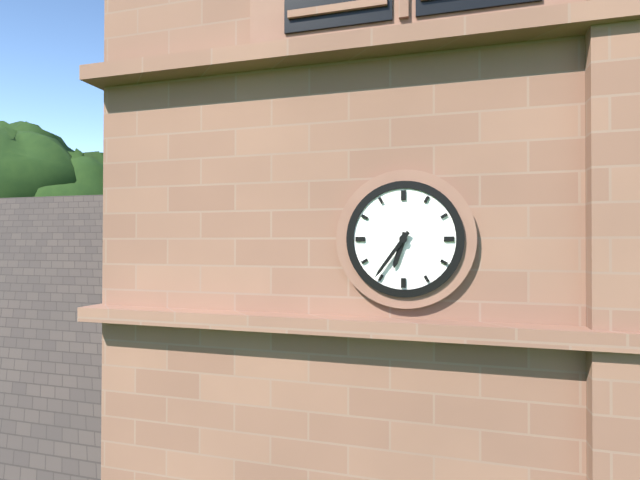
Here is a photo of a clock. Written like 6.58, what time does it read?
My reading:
6.36
